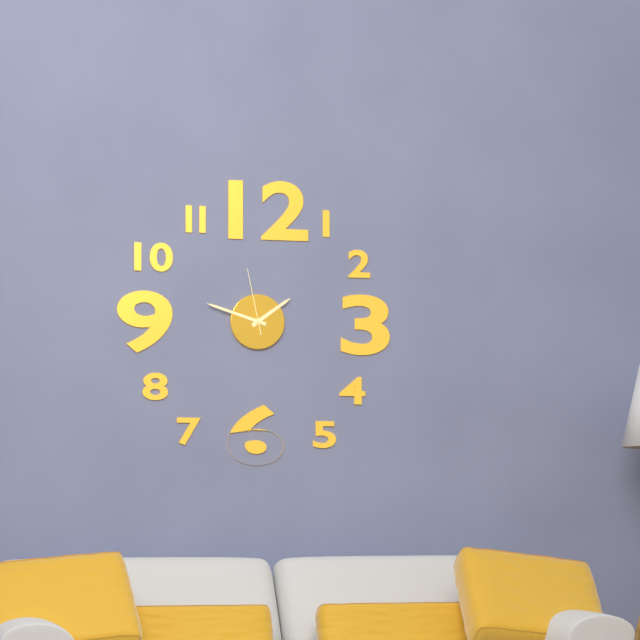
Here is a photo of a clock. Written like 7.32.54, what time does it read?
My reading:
1.48.58
